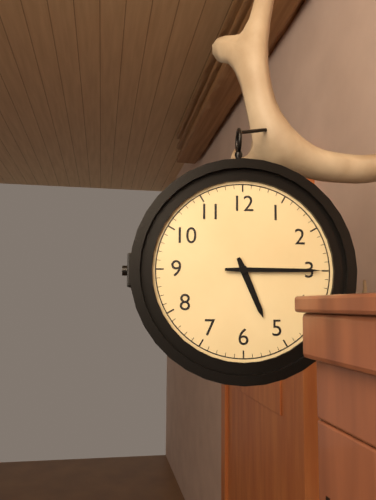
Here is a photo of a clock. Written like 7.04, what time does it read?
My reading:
5.15
